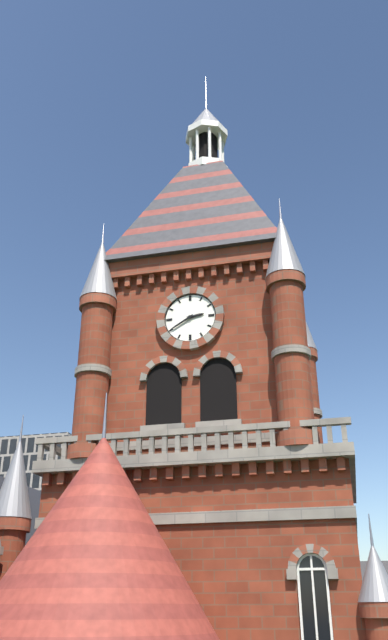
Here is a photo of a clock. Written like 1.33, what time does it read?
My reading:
2.40
